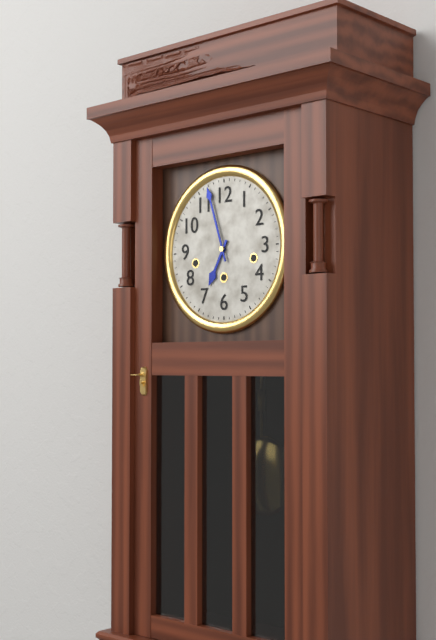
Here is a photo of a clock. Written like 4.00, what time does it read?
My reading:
6.57
